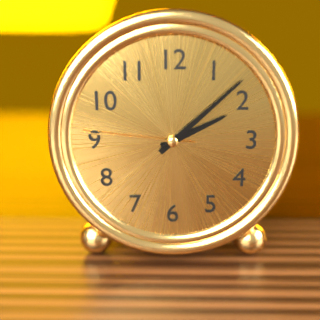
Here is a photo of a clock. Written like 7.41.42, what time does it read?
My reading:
2.08.46
